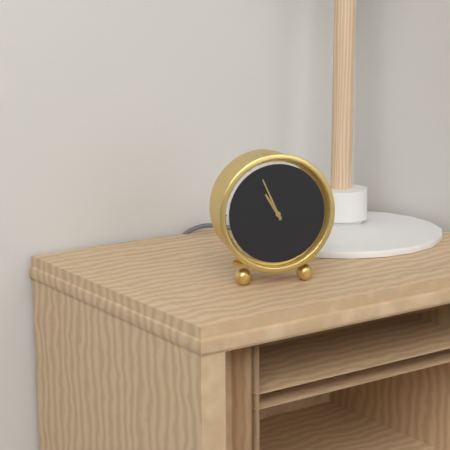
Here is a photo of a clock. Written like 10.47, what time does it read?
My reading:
10.56
